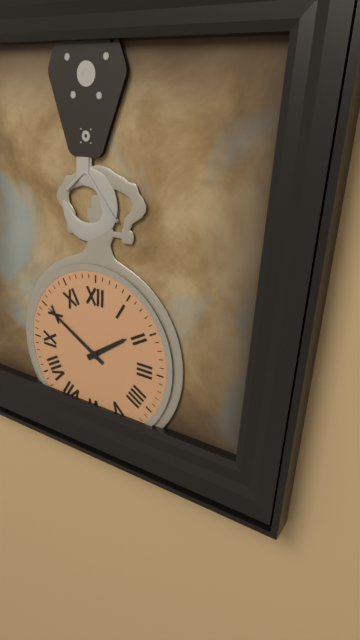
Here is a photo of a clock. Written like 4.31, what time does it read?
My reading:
1.50
